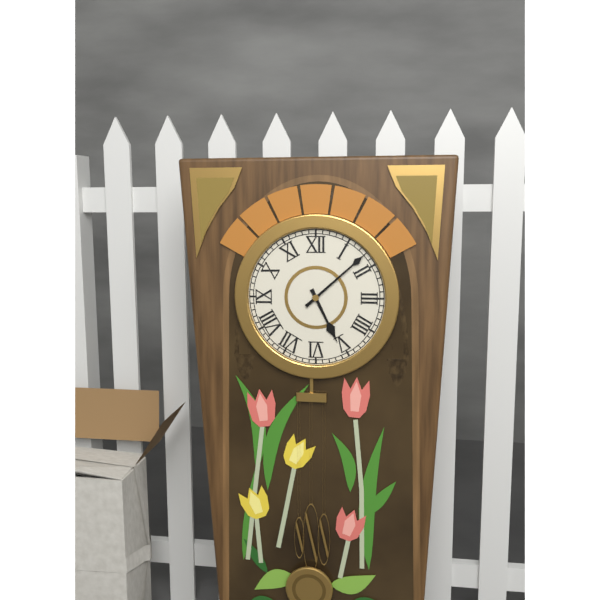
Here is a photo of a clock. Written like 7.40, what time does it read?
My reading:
5.08
